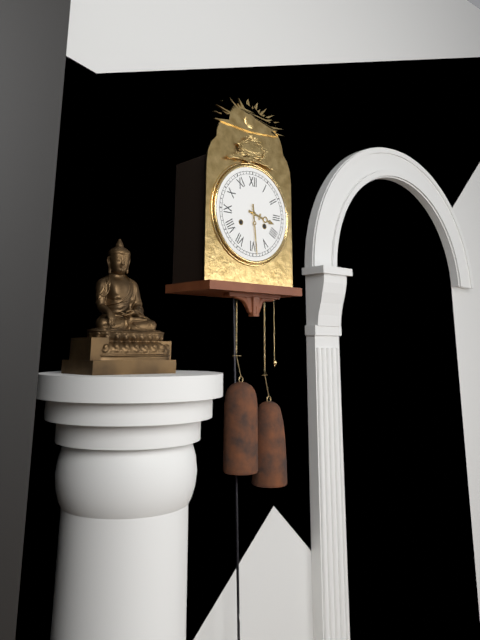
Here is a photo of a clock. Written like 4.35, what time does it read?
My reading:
3.29
